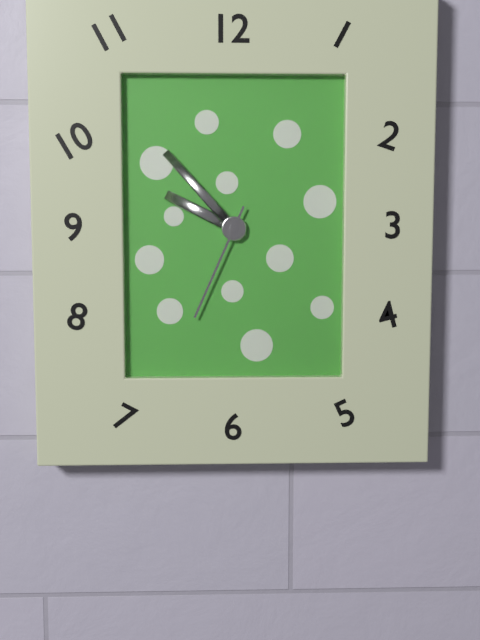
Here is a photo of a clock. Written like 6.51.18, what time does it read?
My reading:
9.53.34
